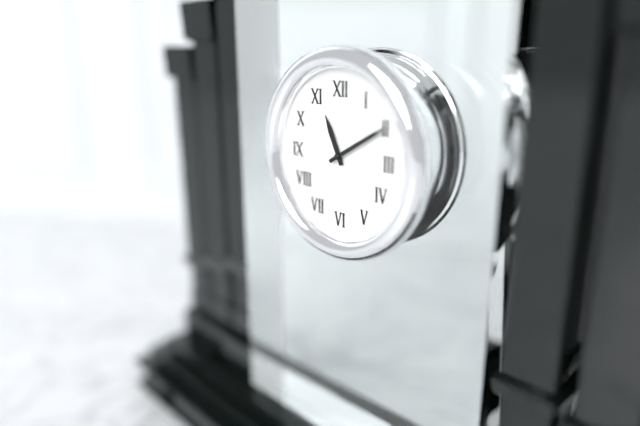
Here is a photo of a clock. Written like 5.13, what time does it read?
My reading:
11.10
